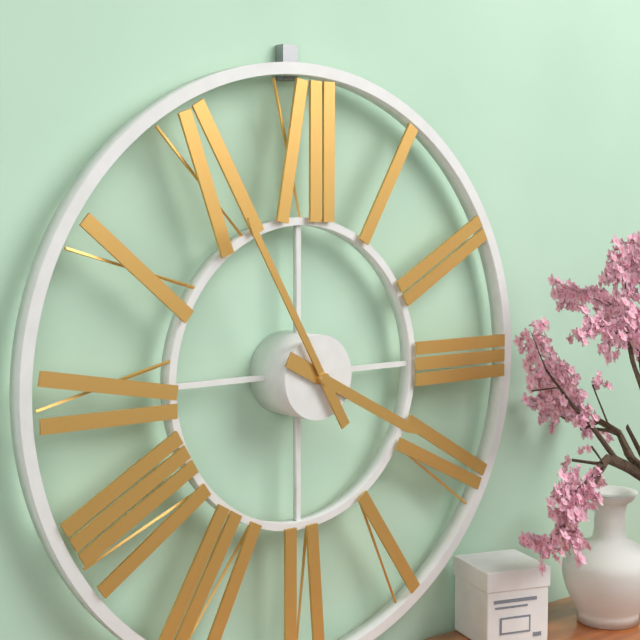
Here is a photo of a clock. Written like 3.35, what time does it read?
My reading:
3.55
